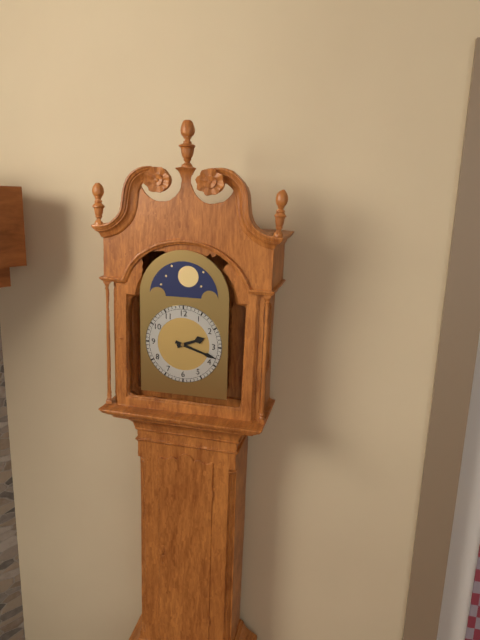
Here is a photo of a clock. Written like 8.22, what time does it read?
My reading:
2.18
